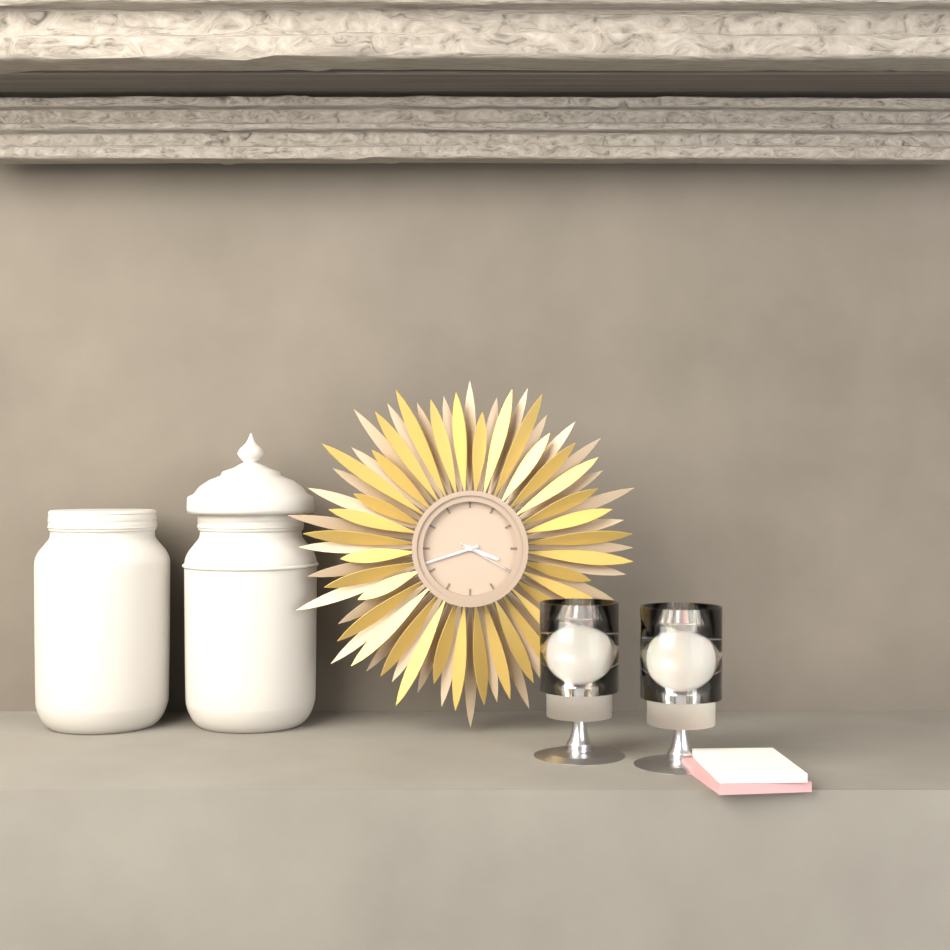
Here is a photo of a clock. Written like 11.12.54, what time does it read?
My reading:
3.42.20
